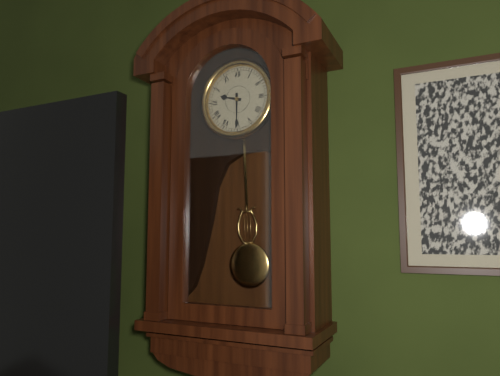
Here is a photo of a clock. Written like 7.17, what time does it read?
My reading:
9.30
